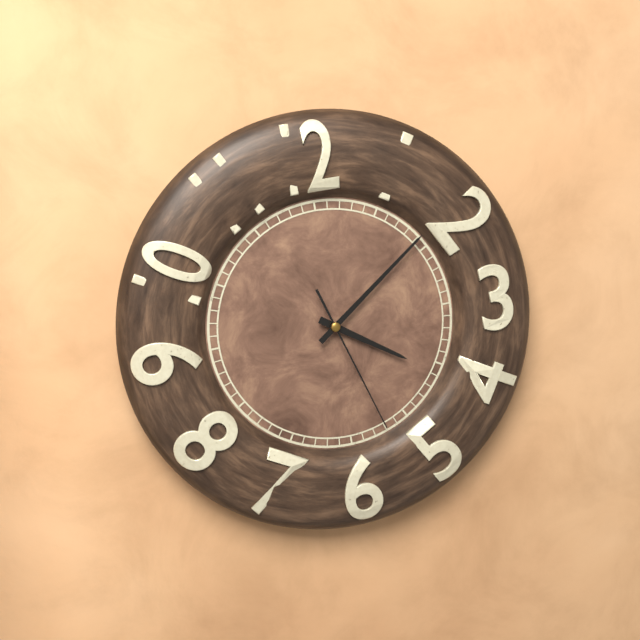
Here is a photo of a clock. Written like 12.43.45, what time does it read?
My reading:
4.09.27
